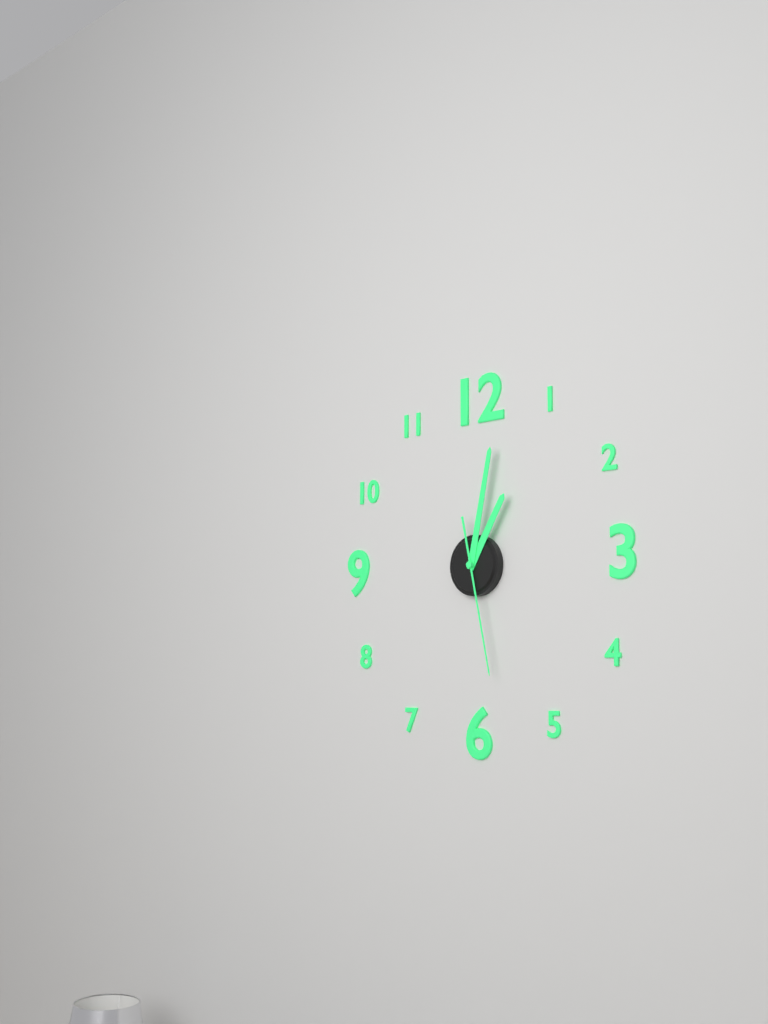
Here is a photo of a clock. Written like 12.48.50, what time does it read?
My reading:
1.02.28
